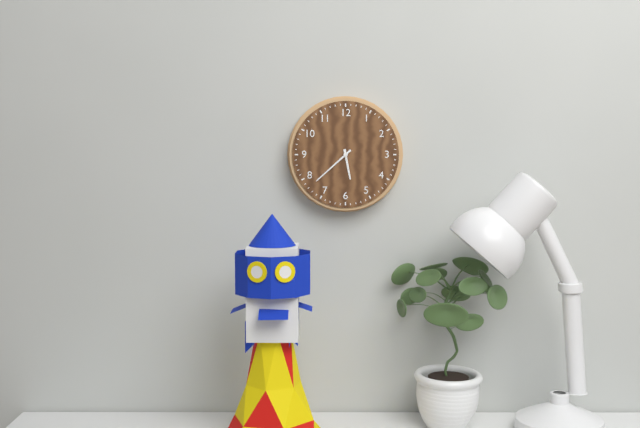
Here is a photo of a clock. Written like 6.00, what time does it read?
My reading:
5.38
